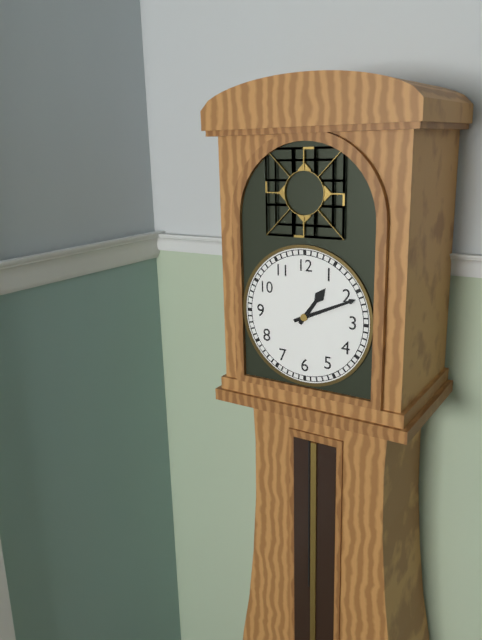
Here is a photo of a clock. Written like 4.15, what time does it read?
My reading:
1.11
